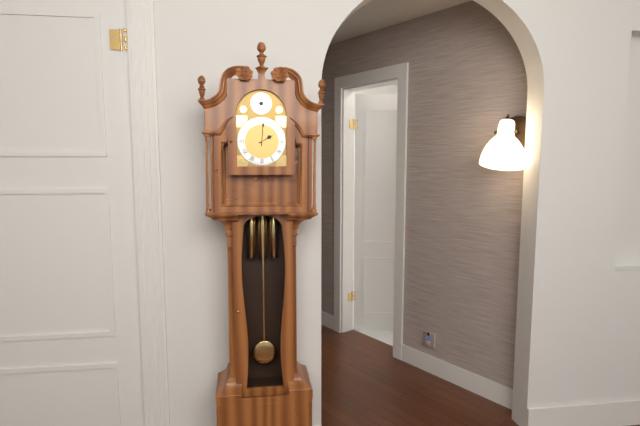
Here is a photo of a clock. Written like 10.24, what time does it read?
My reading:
2.01
